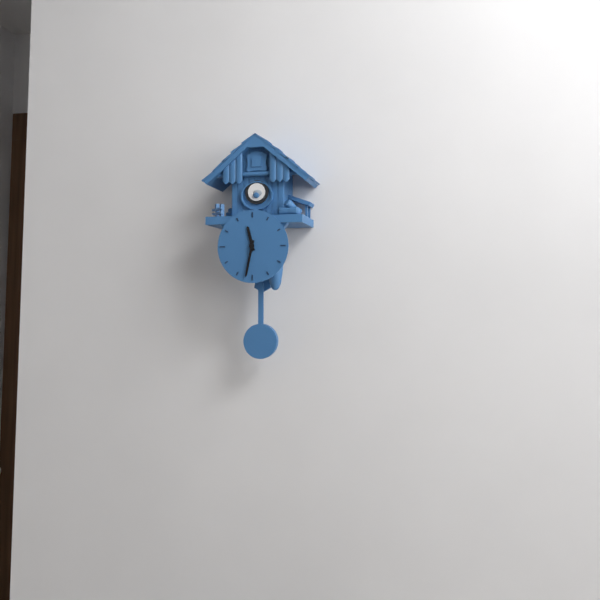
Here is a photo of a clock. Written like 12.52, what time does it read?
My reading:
11.32
